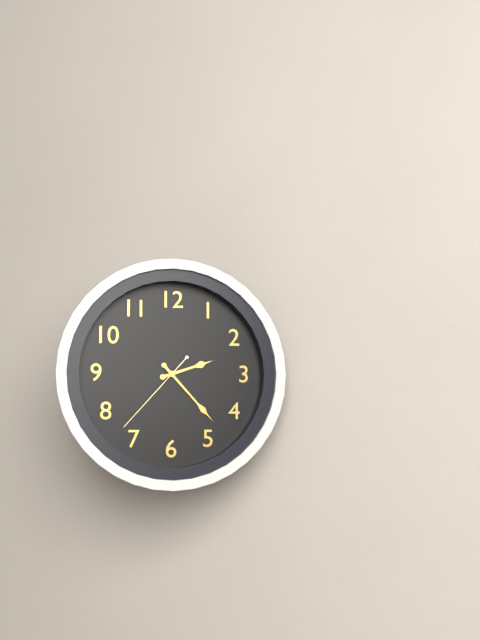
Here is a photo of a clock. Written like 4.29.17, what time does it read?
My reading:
2.23.37
